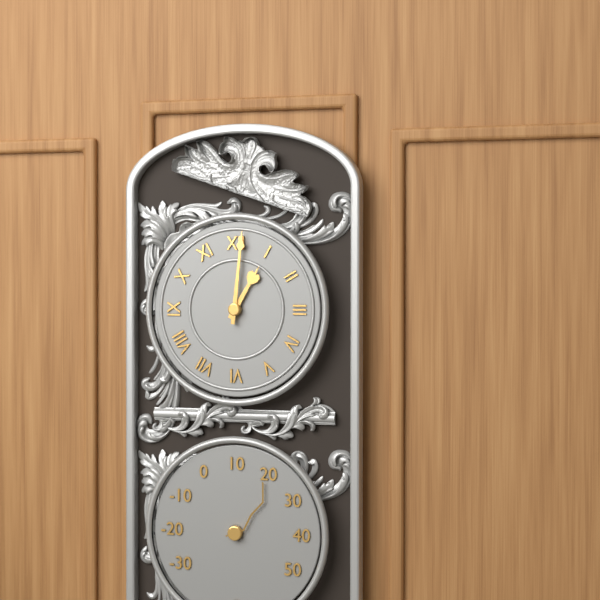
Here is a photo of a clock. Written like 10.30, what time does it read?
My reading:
1.01
